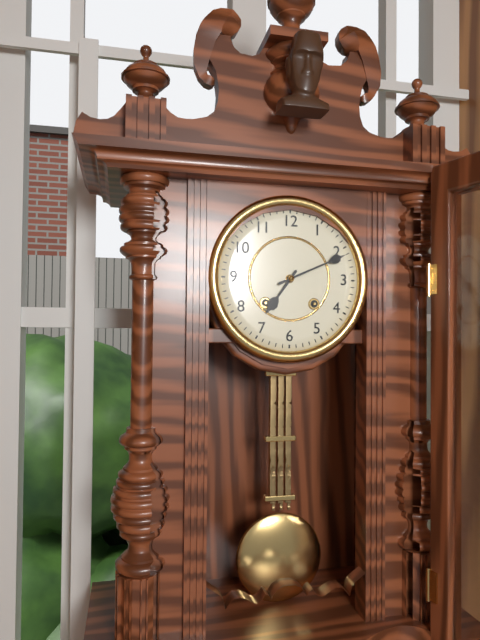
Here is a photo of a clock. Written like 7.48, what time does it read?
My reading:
7.11
